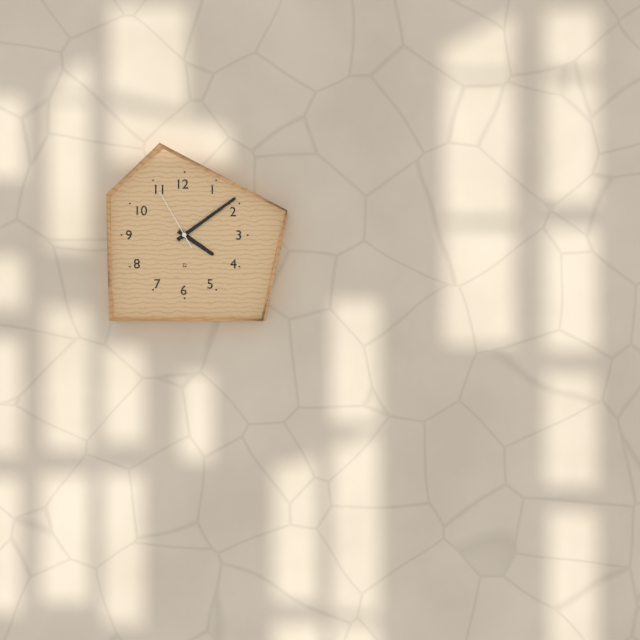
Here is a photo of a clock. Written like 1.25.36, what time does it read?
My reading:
4.09.55
